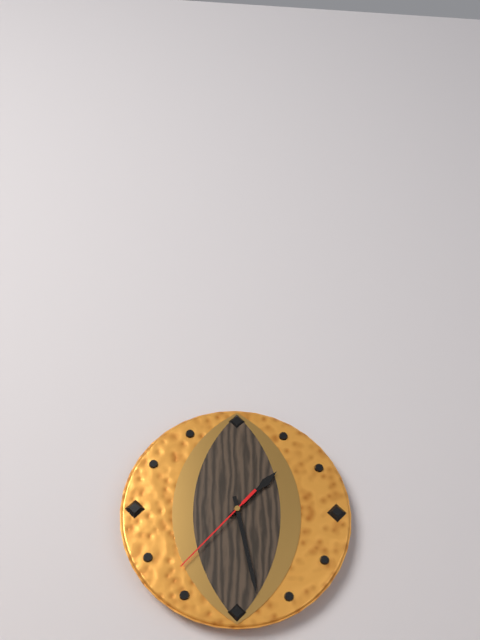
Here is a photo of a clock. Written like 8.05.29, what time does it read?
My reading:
1.28.37
